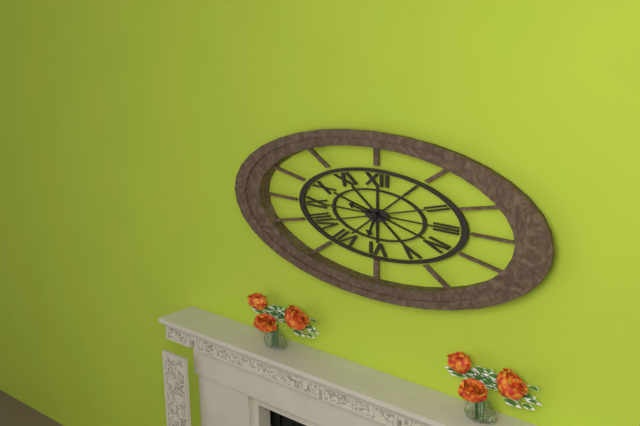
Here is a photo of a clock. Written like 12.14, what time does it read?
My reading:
6.47
